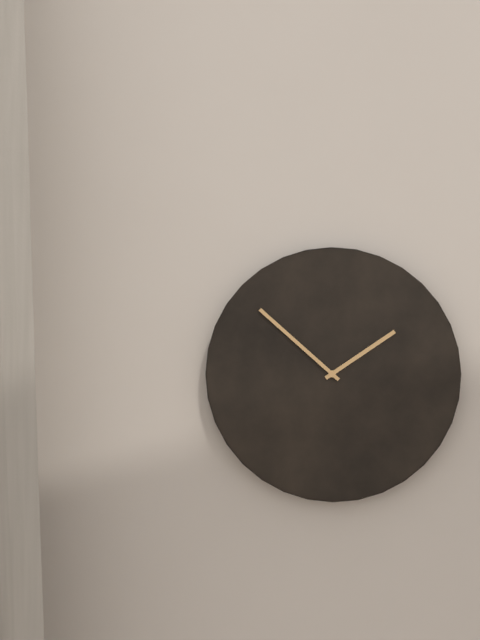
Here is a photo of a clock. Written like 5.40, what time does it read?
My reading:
1.52
